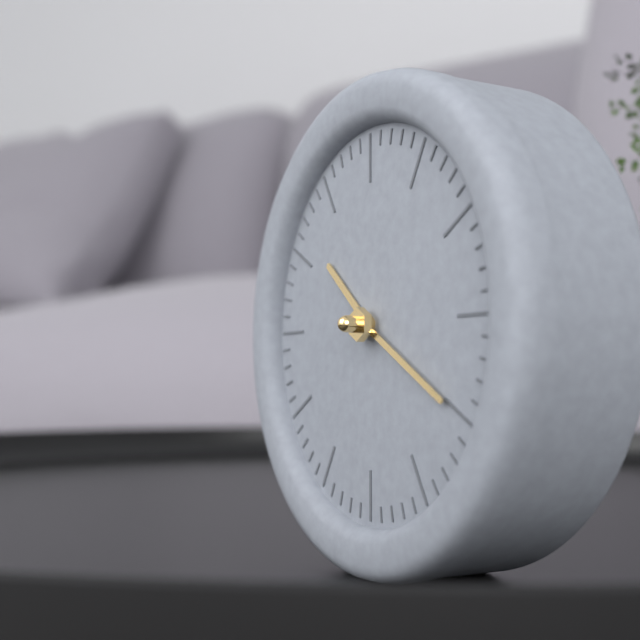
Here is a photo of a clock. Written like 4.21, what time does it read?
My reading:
10.20
